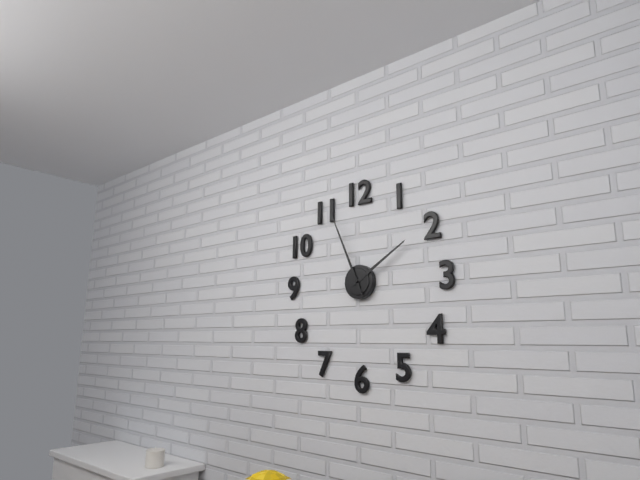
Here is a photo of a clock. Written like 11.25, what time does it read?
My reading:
1.56
